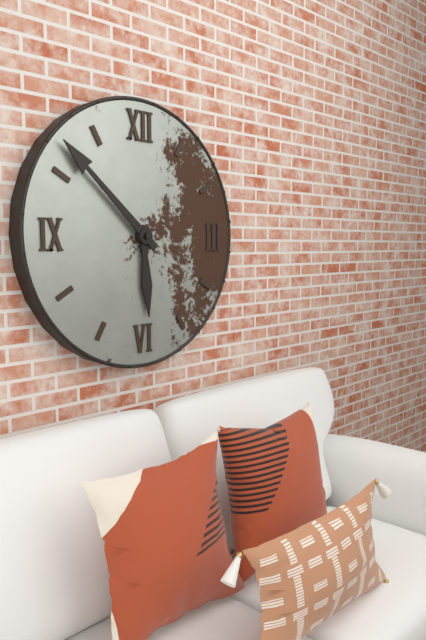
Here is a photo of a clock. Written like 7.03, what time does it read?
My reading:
5.52
